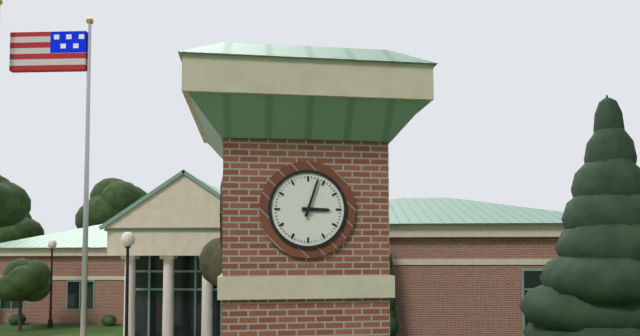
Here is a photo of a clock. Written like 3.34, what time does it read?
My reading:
3.03
